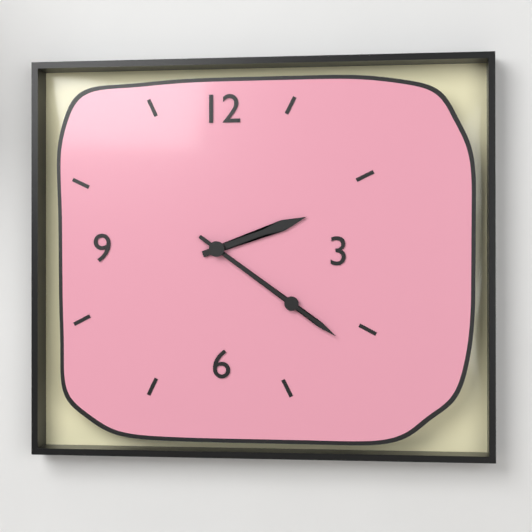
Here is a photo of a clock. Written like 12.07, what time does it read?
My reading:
2.21
